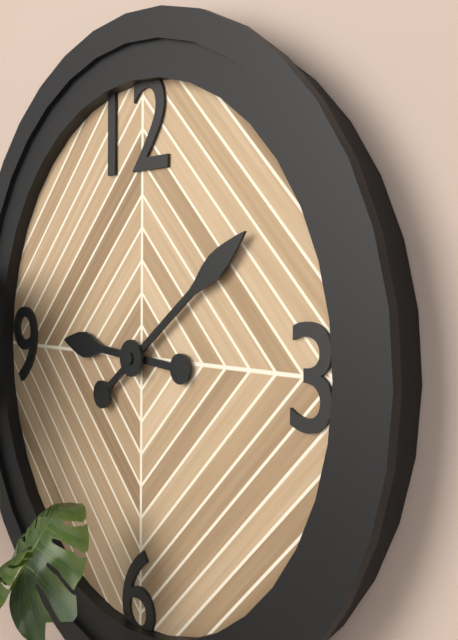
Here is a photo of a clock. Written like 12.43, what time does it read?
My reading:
9.09
